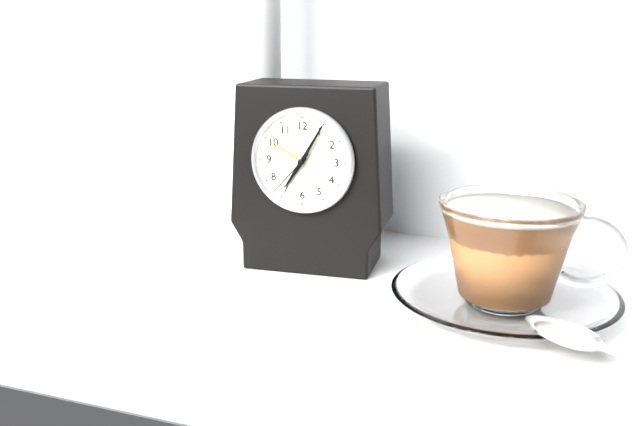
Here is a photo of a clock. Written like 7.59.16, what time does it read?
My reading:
7.05.37
